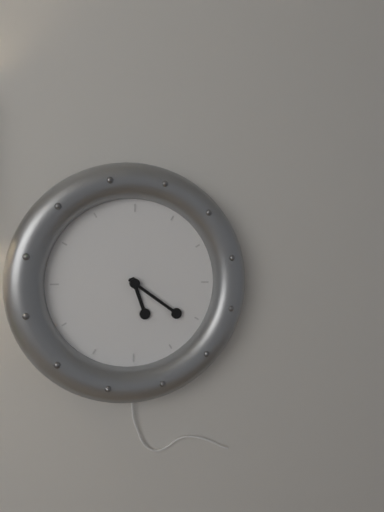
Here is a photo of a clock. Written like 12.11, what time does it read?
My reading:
5.21
